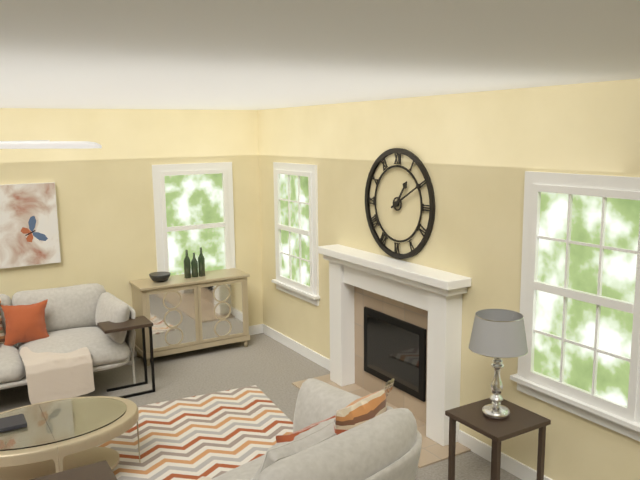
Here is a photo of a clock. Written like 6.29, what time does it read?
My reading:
1.10
